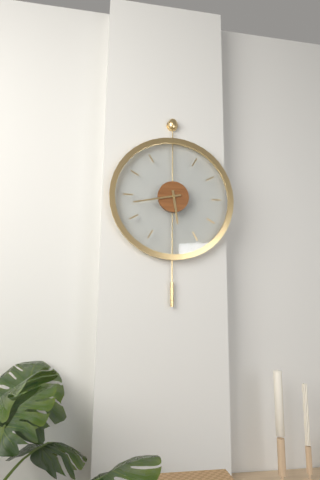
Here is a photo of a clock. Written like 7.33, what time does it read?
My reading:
5.43
